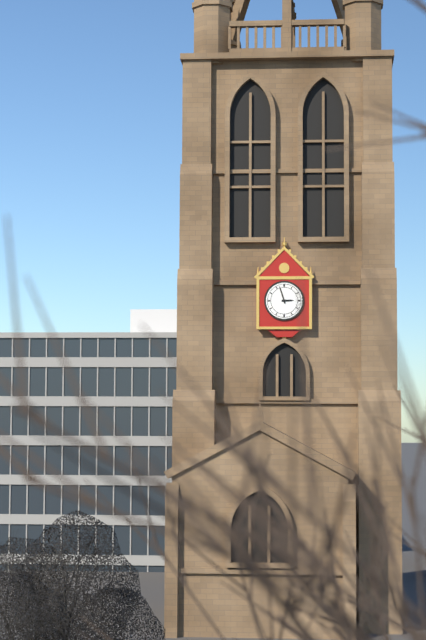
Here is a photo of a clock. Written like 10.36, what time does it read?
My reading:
2.57
